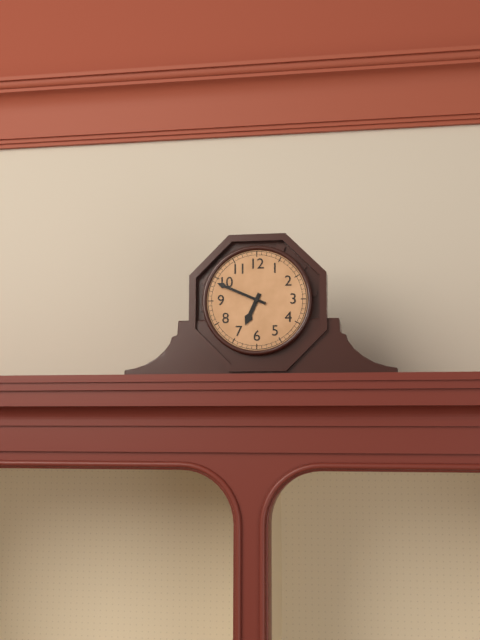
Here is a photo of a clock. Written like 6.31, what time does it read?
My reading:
6.49
